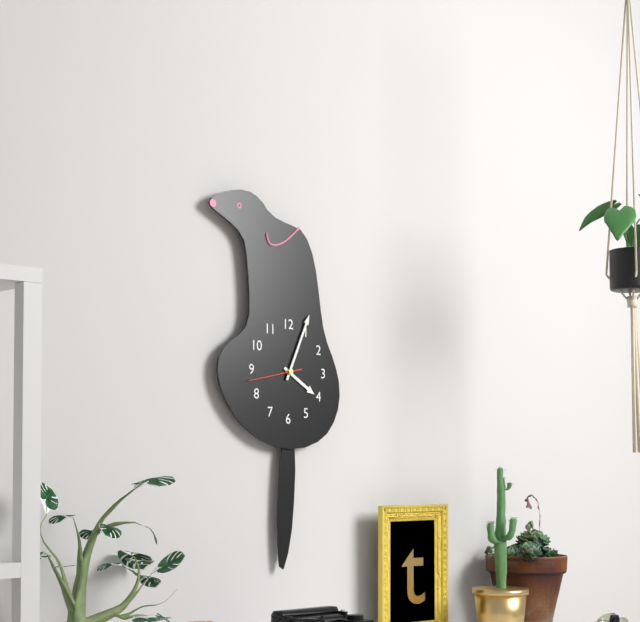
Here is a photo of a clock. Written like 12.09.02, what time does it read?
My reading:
4.04.43
